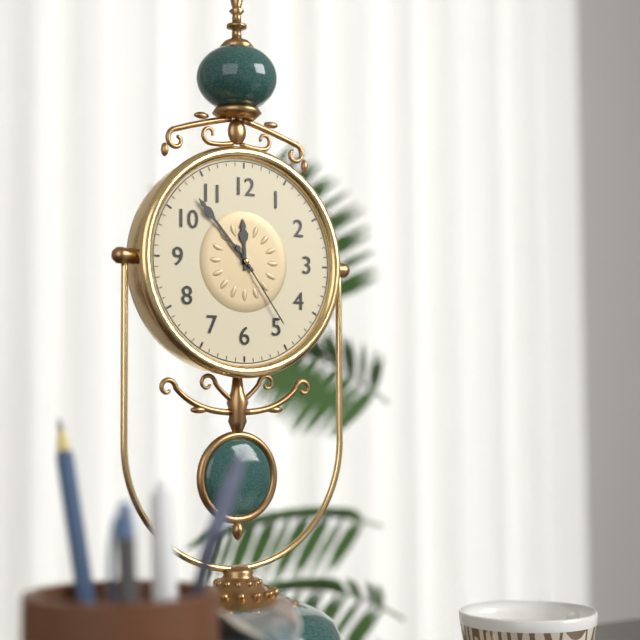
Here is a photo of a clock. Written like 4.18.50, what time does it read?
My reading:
11.53.24
